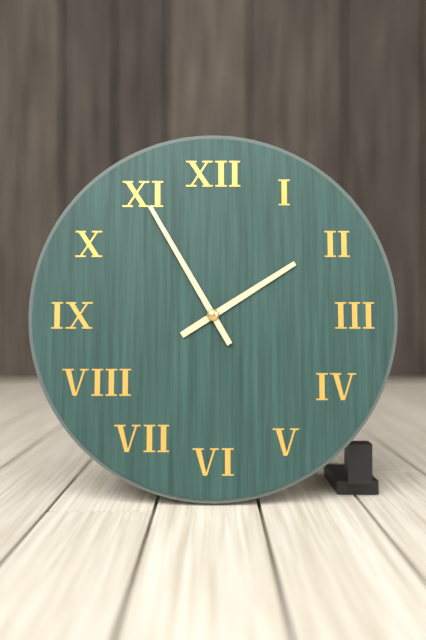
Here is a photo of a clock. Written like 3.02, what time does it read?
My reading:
1.55
